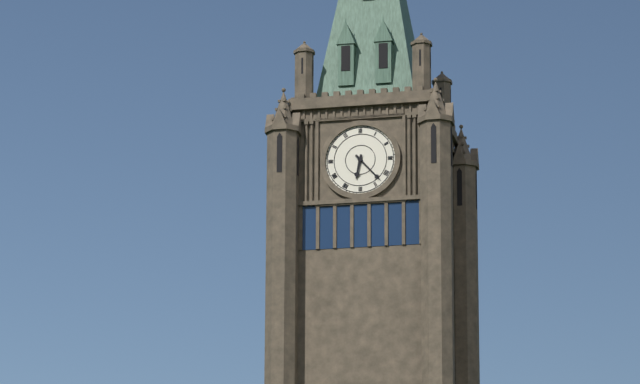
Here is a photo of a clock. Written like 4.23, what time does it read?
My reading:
6.23
